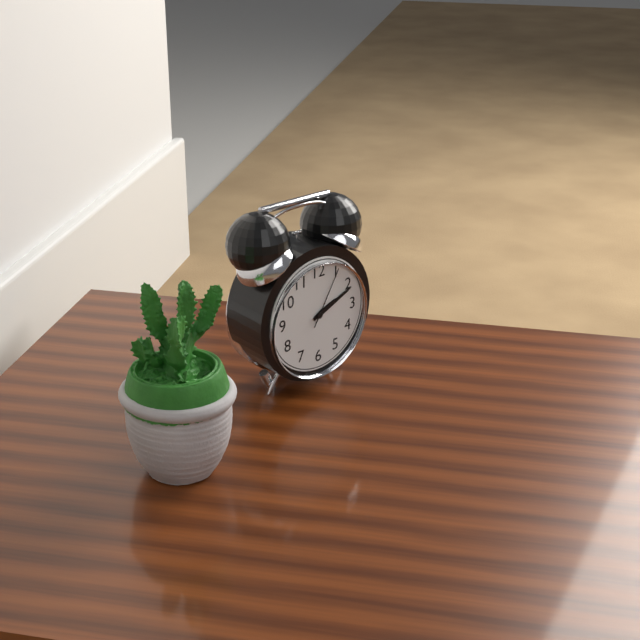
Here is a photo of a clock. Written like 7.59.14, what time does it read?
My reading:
2.11.05
